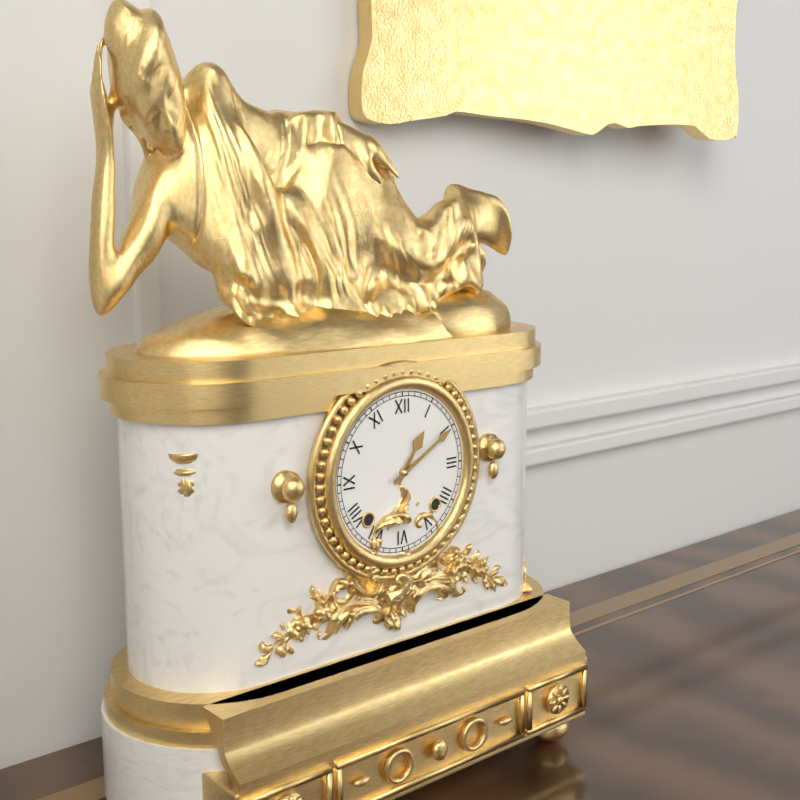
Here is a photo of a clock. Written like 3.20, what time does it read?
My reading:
1.10
